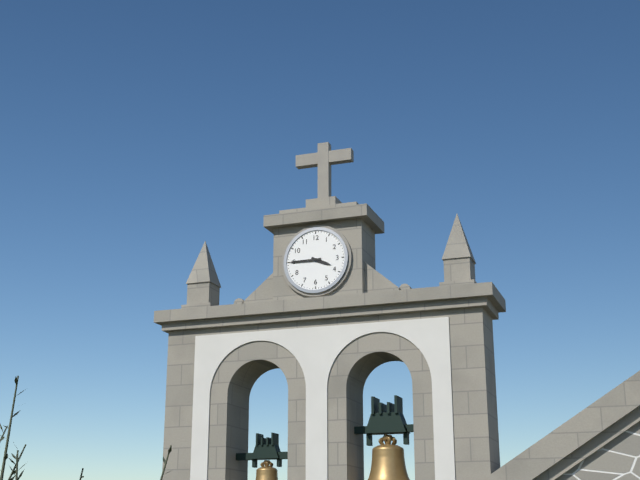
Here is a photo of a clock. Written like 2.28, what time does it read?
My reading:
3.45
